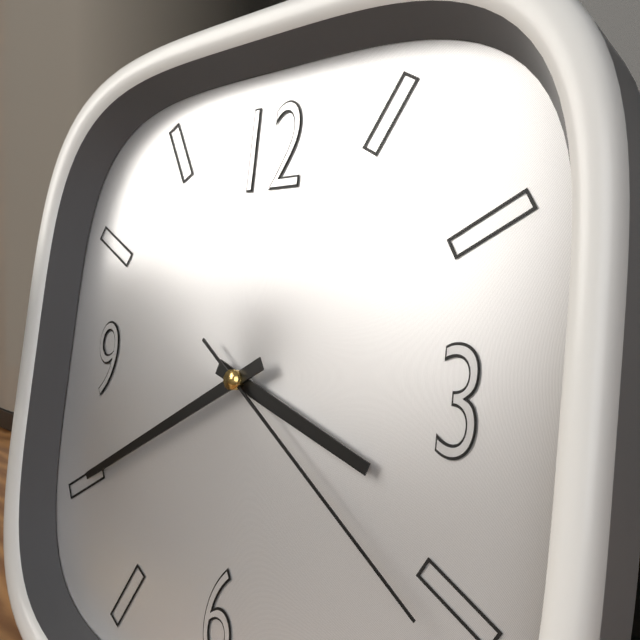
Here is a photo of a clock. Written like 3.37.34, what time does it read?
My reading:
3.40.21
